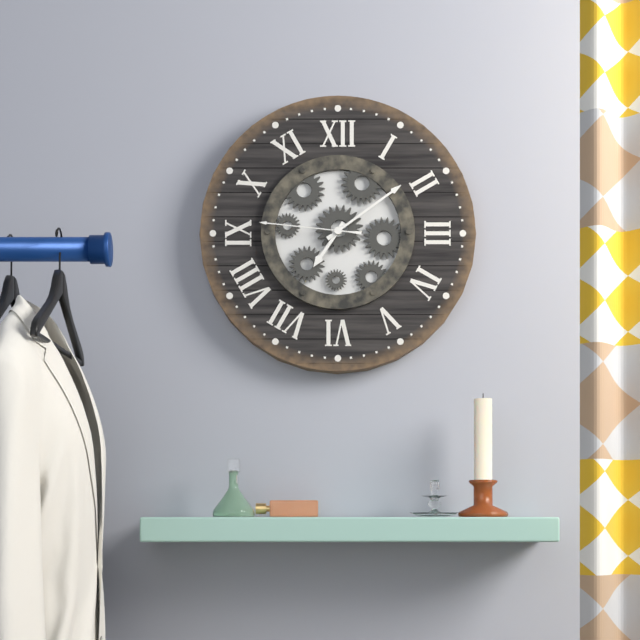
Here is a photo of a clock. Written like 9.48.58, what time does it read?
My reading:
7.09.46
